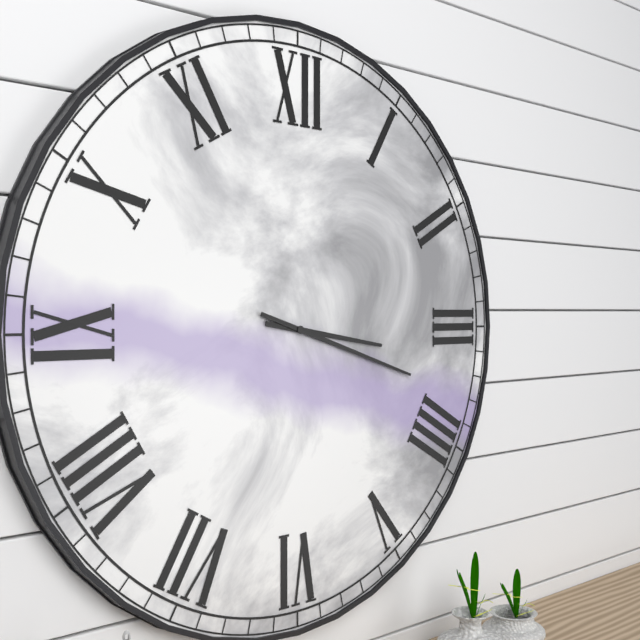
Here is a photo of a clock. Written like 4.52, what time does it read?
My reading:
3.18
